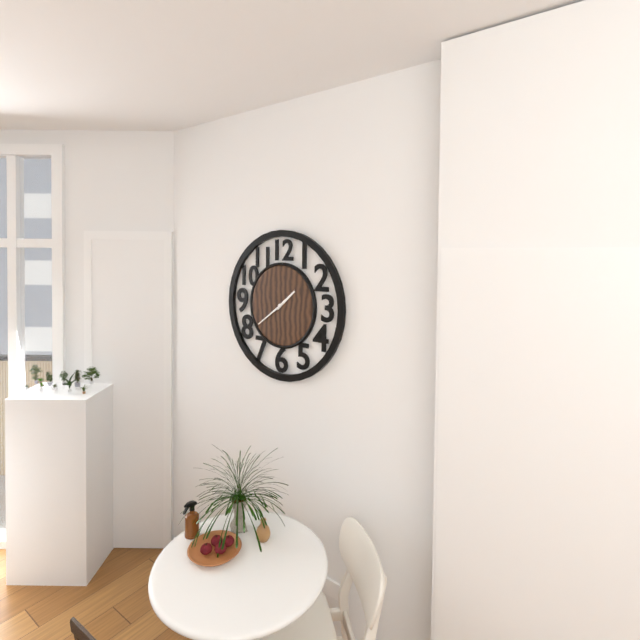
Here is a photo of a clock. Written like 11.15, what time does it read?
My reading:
1.39
